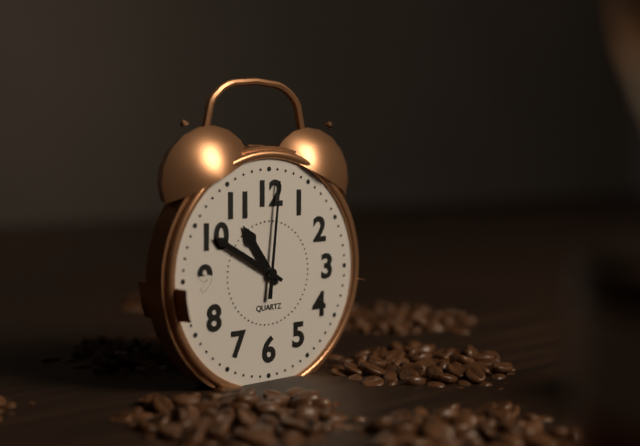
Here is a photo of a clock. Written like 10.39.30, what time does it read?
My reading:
10.50.01
